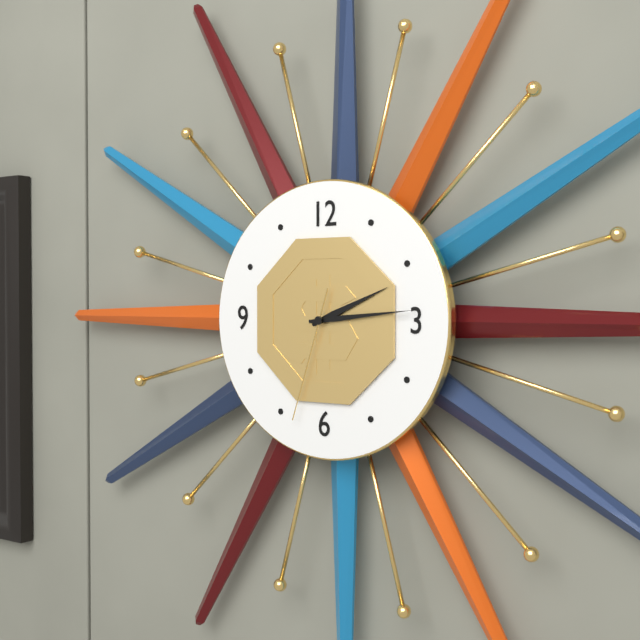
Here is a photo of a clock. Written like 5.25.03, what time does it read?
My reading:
2.14.33
